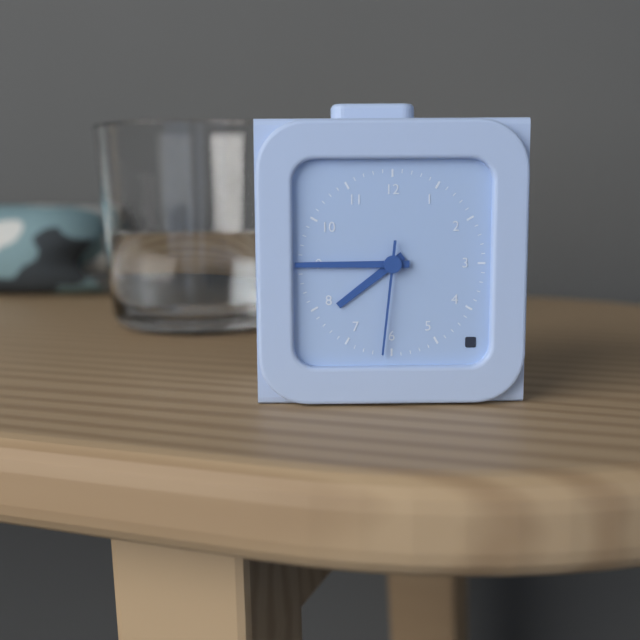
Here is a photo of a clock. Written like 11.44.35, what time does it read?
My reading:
7.45.31
